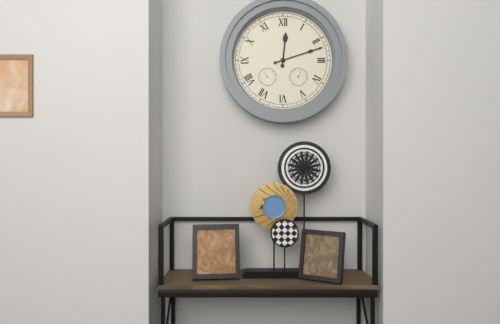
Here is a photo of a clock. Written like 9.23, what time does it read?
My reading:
12.12
